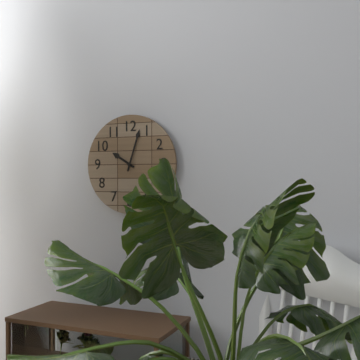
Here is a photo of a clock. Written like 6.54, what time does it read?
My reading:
10.03
